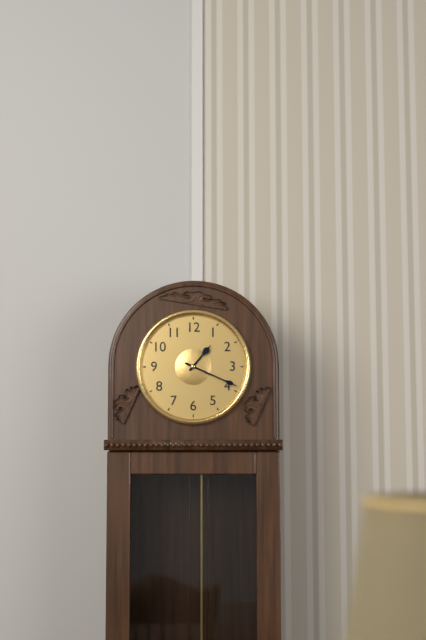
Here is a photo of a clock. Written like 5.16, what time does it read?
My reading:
1.19
